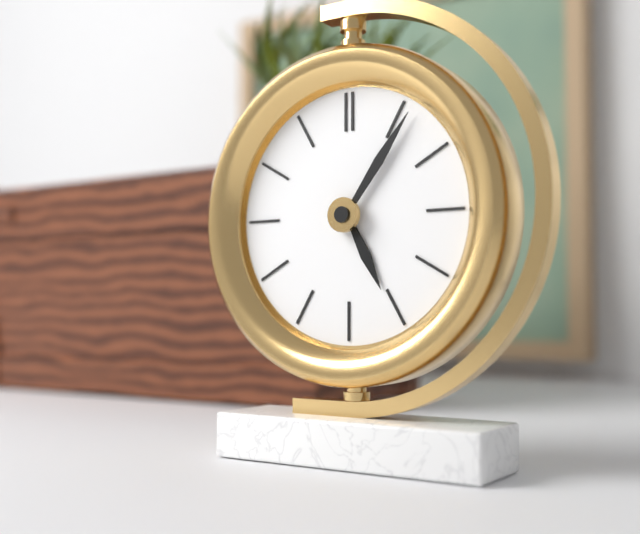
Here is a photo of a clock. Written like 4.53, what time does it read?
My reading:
5.06
